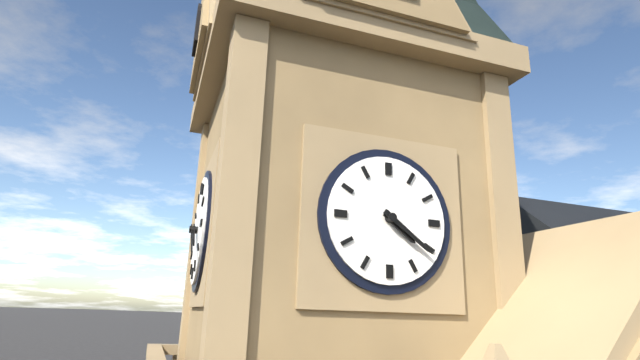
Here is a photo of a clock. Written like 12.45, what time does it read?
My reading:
4.21
